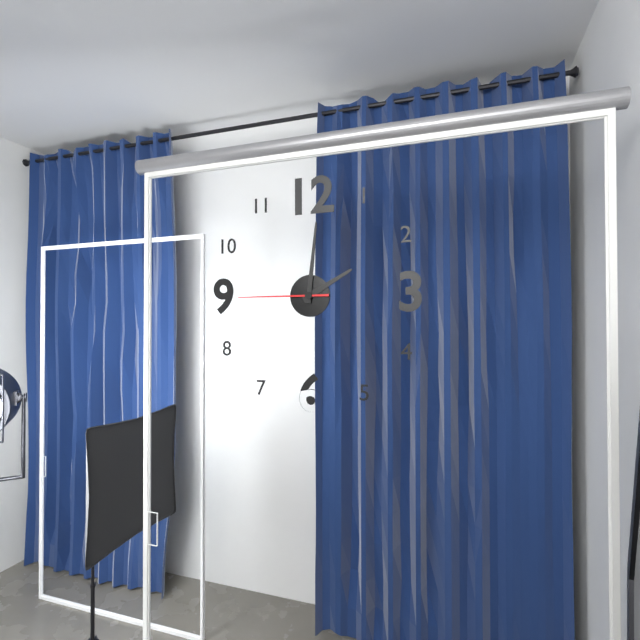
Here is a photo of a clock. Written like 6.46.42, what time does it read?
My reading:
2.01.45
